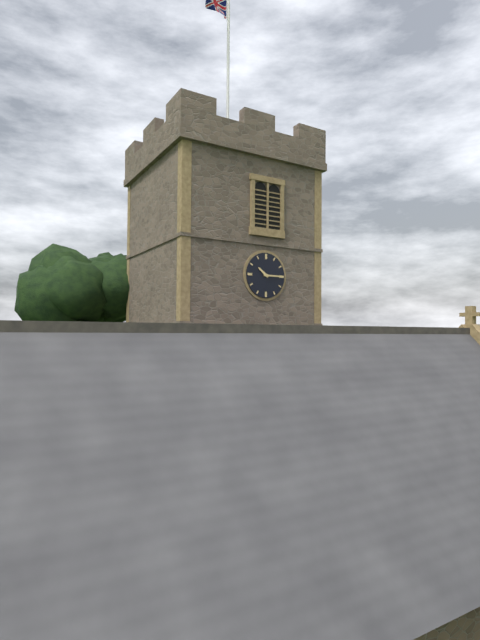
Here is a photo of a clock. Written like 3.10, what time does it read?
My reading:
10.15
